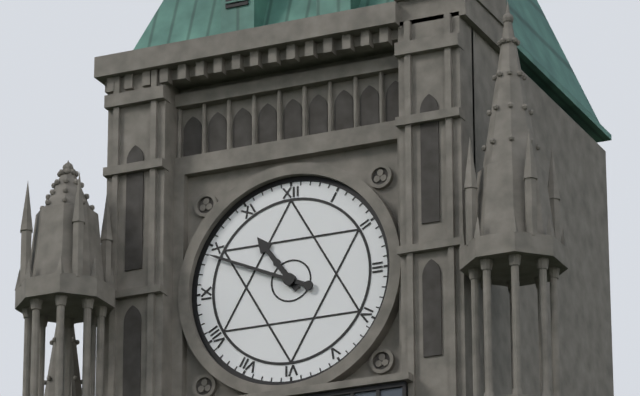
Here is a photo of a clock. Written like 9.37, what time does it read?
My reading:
10.49
